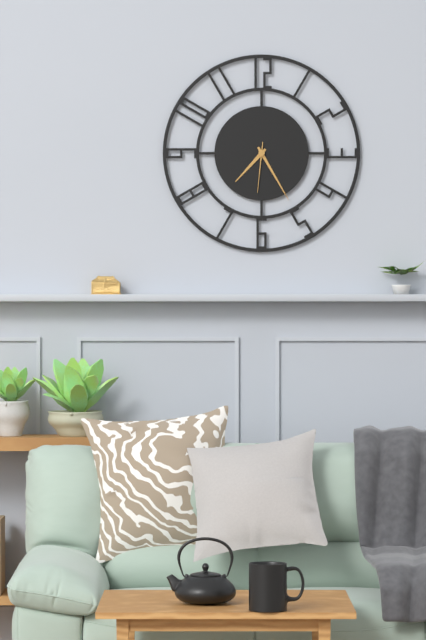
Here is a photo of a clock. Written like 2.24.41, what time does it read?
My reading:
7.25.31
